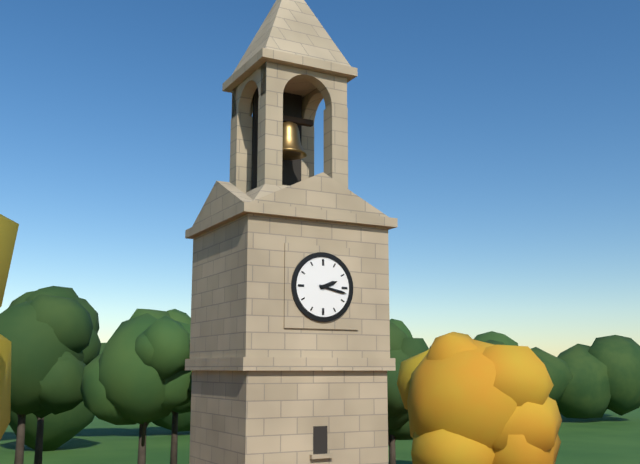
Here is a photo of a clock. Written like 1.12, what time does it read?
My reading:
2.17
